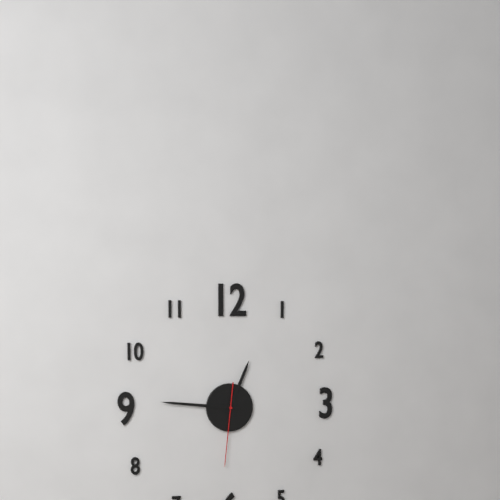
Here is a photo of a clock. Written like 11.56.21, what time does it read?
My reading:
12.46.31
